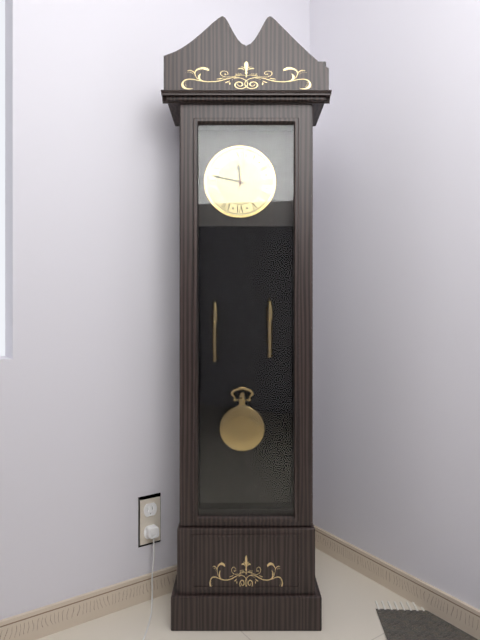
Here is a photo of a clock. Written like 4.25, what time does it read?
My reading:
11.47
